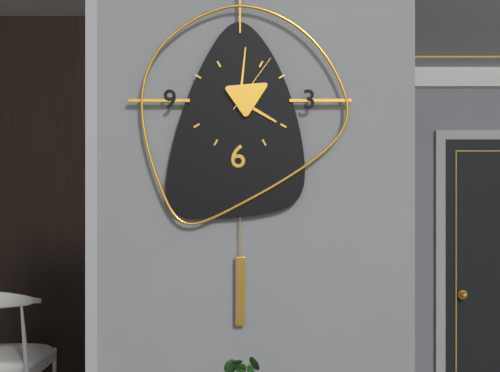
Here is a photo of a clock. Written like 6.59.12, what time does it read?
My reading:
4.01.06
